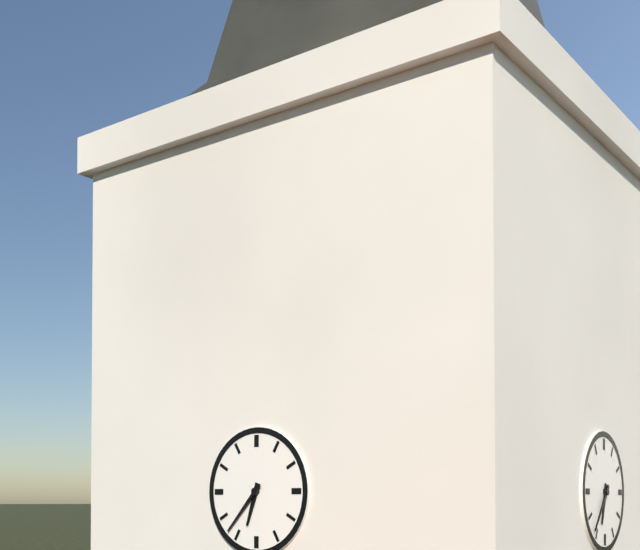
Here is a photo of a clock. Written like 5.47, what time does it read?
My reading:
6.37
